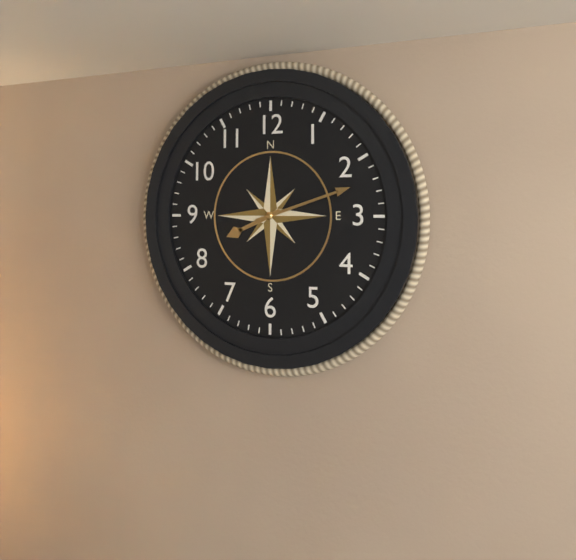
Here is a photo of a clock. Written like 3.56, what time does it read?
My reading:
8.12
